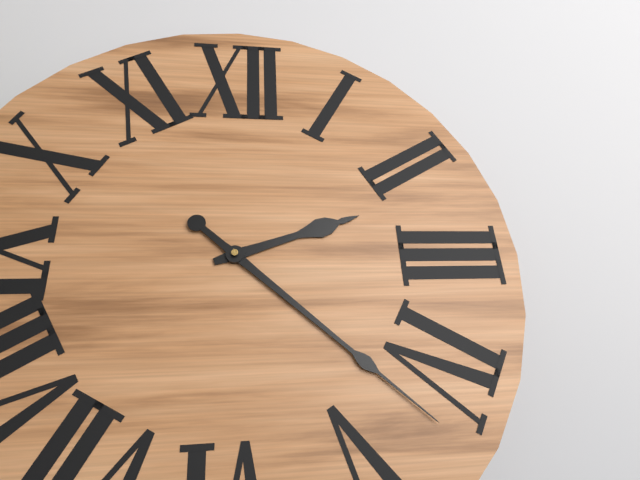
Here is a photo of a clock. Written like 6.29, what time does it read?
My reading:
2.22
